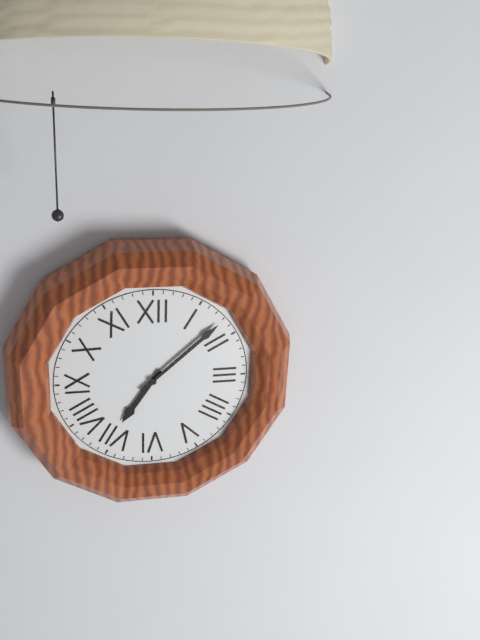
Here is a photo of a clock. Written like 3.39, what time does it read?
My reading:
7.08
